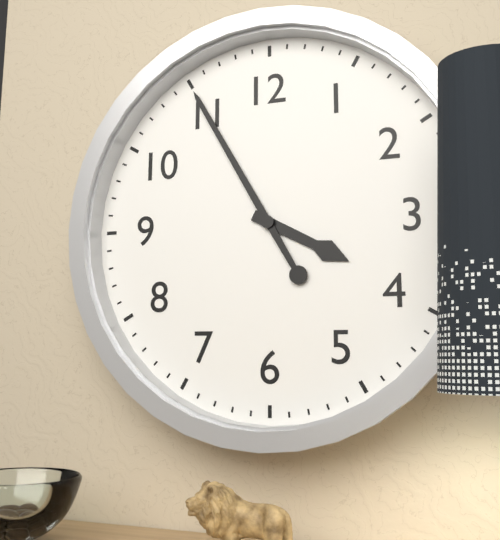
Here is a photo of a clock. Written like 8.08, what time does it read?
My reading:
3.55
